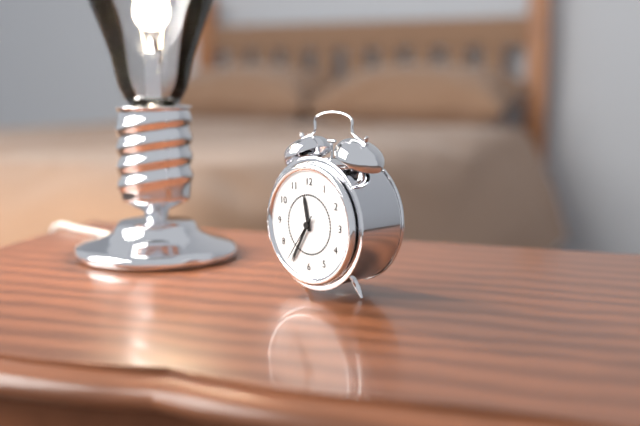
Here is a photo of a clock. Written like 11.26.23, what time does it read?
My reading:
11.35.36
